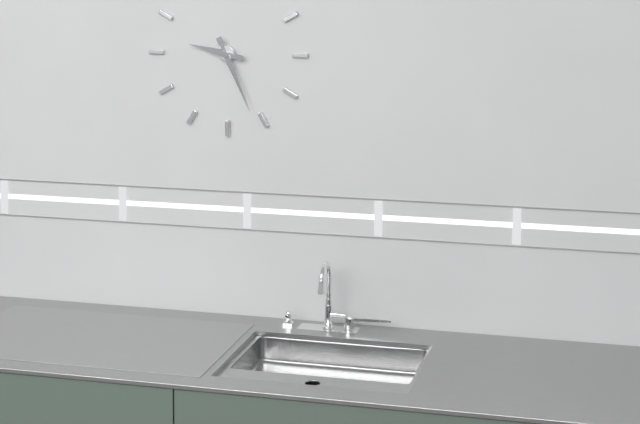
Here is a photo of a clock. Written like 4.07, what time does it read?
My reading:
9.26
